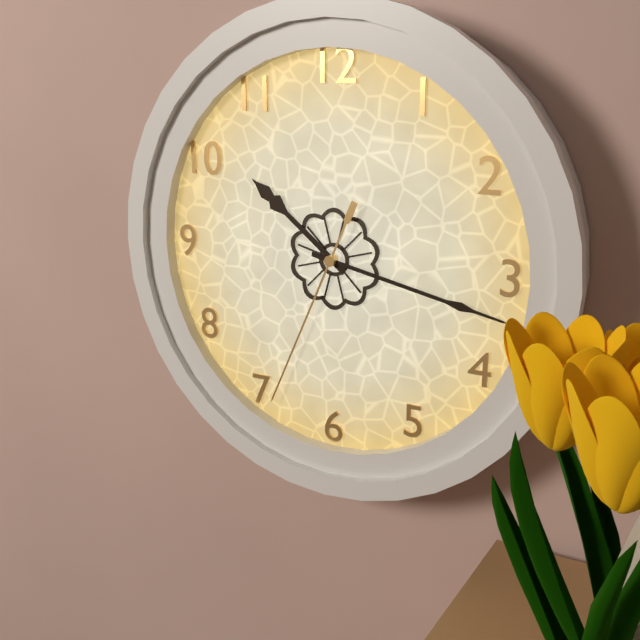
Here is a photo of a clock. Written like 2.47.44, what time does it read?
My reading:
10.17.34
